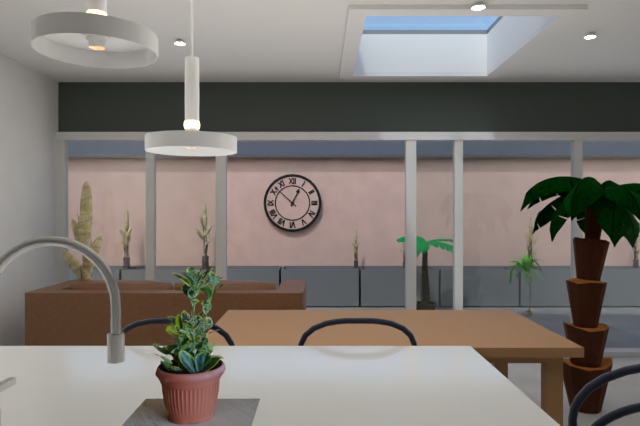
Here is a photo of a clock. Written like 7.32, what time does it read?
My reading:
12.52
